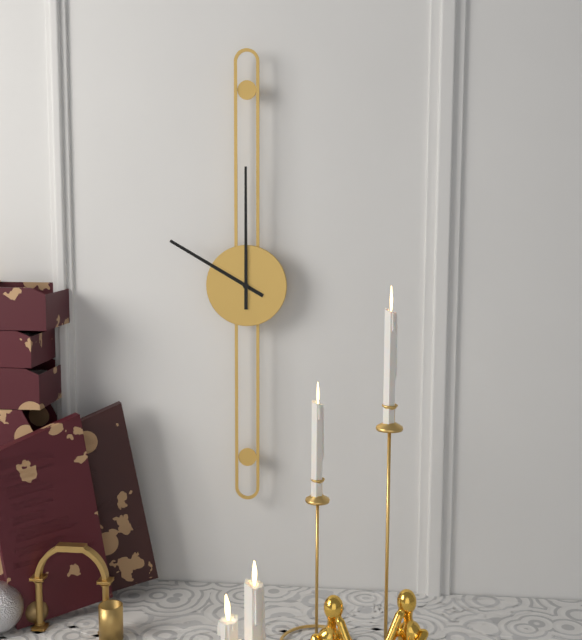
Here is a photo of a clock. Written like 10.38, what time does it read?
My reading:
10.00
